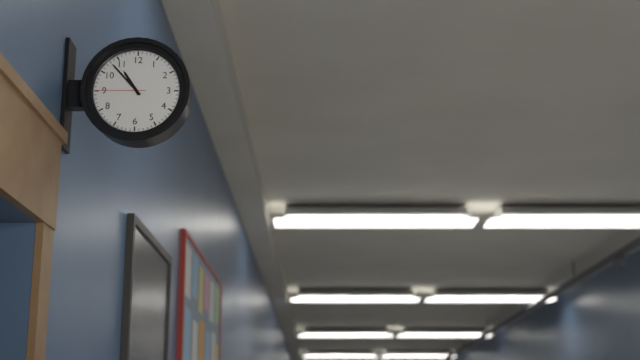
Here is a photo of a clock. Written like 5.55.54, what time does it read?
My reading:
10.53.45
